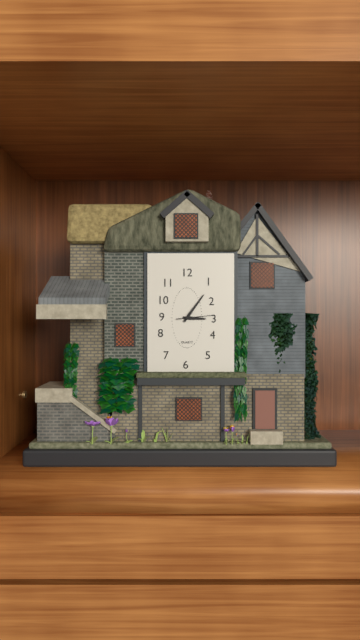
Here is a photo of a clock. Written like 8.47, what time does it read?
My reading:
3.06
